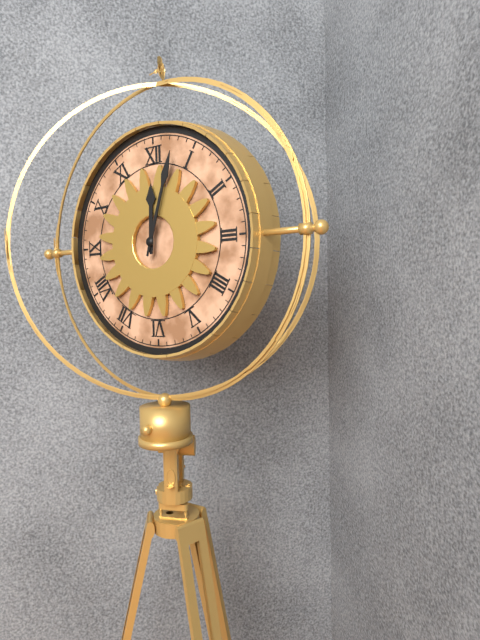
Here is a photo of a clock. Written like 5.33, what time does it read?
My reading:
12.03
